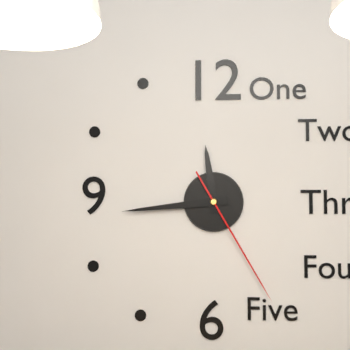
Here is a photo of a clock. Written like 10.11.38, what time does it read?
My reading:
11.44.25
